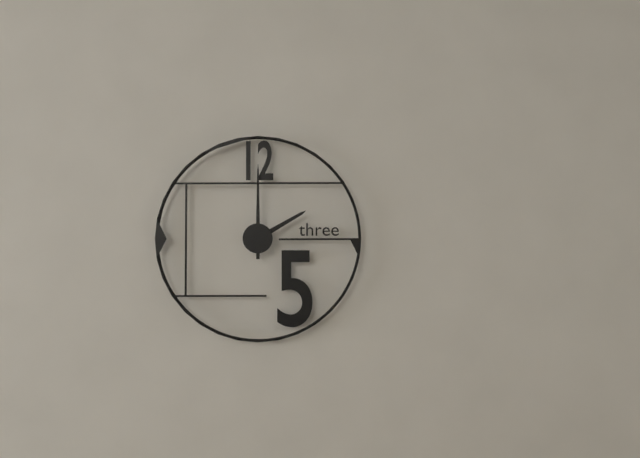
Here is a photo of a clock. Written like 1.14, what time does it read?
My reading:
2.00
